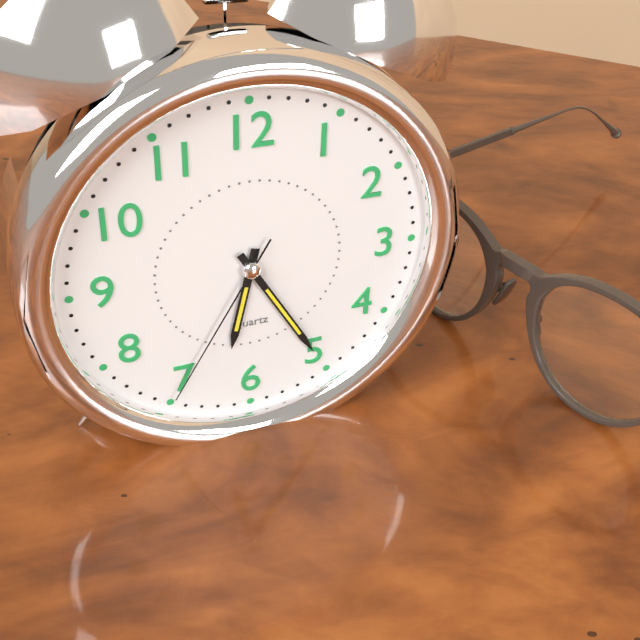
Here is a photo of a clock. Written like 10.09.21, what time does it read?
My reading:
6.25.35
